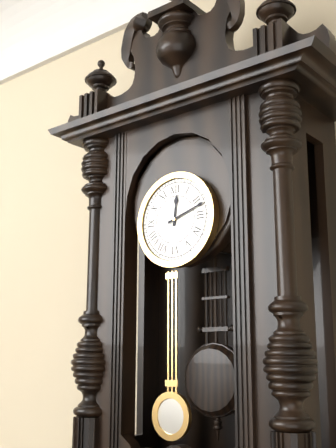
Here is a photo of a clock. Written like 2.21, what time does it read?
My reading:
12.12
